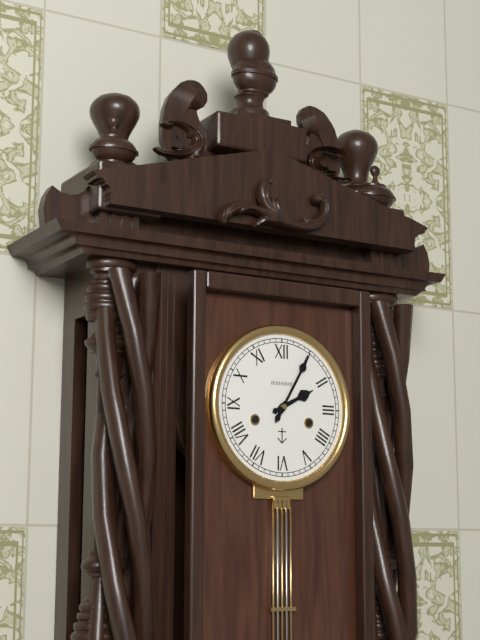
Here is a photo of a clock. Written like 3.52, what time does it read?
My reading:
2.05
